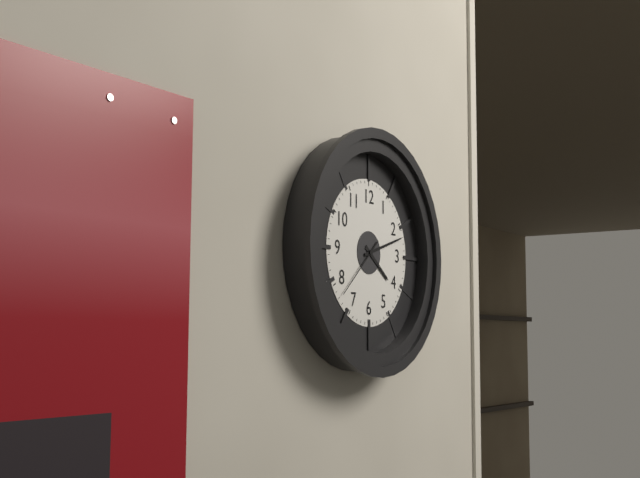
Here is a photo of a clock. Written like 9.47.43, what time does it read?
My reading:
4.12.38
